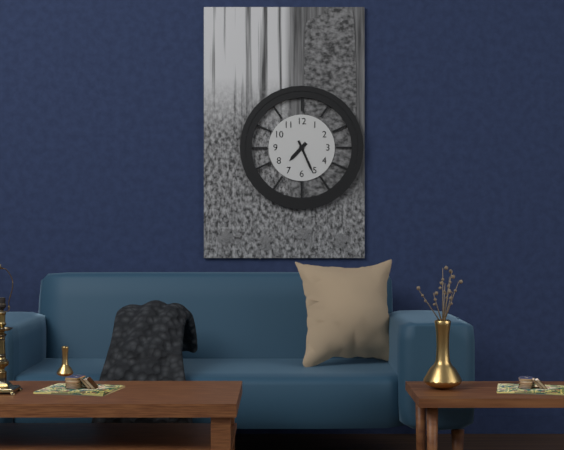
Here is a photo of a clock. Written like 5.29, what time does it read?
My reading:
7.26
